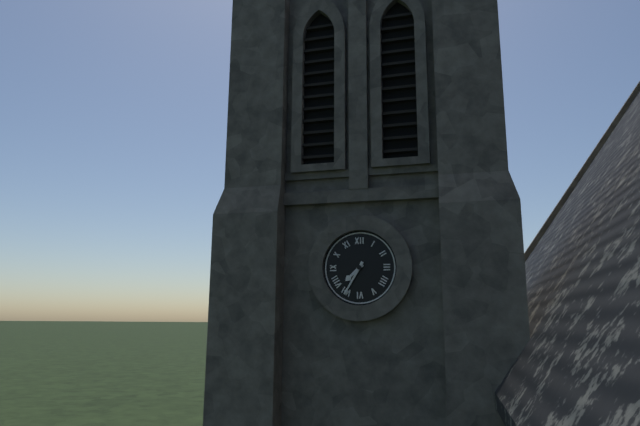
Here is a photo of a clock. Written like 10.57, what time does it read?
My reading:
7.35
